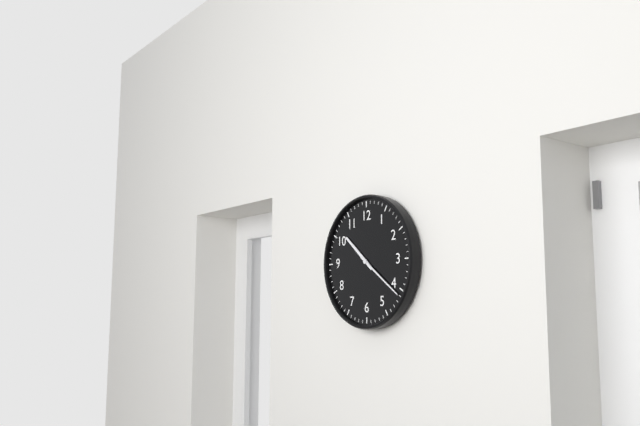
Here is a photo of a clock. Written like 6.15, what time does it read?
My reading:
10.21
